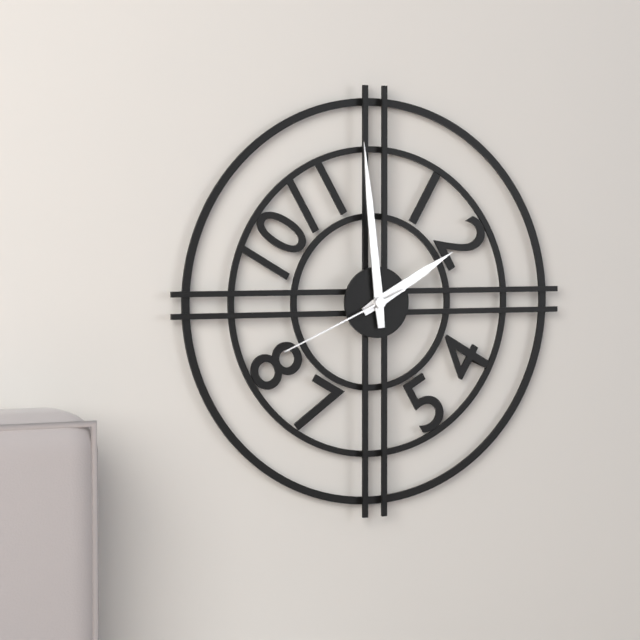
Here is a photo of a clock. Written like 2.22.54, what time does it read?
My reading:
1.59.41
